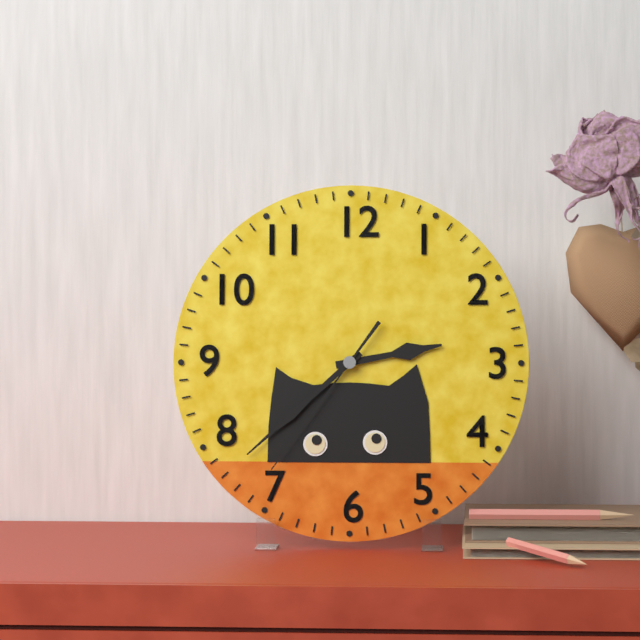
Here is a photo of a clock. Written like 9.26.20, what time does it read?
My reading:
2.38.36
